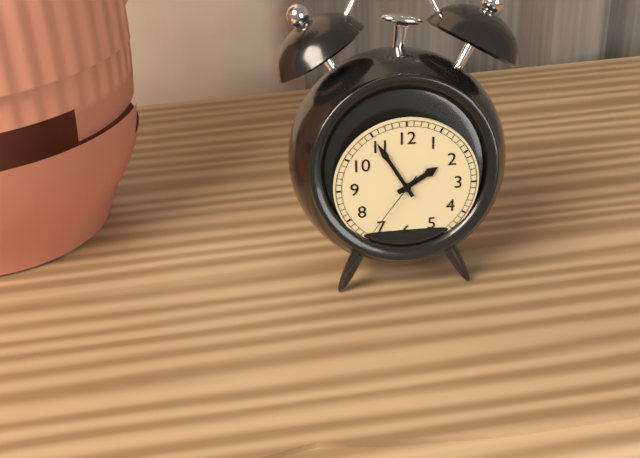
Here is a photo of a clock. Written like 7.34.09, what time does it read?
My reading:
1.55.36
